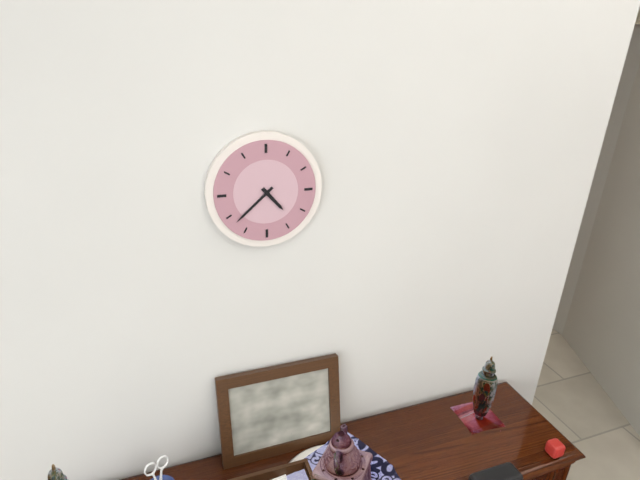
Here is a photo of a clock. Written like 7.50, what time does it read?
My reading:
4.38
